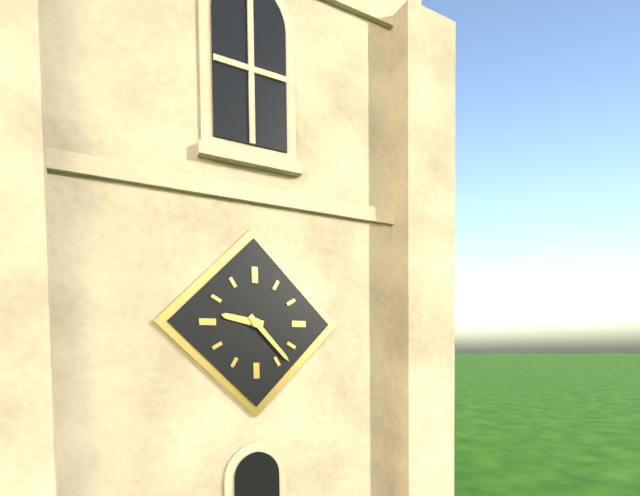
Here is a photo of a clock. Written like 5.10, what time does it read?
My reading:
9.23
